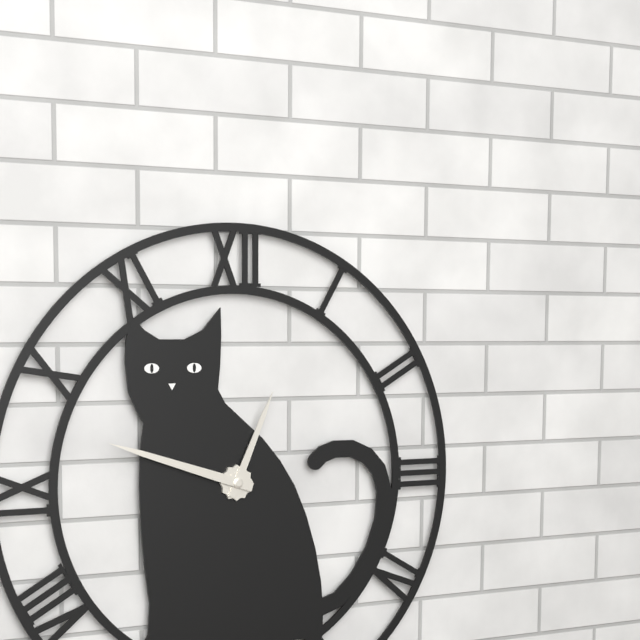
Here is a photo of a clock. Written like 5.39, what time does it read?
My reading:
12.48
